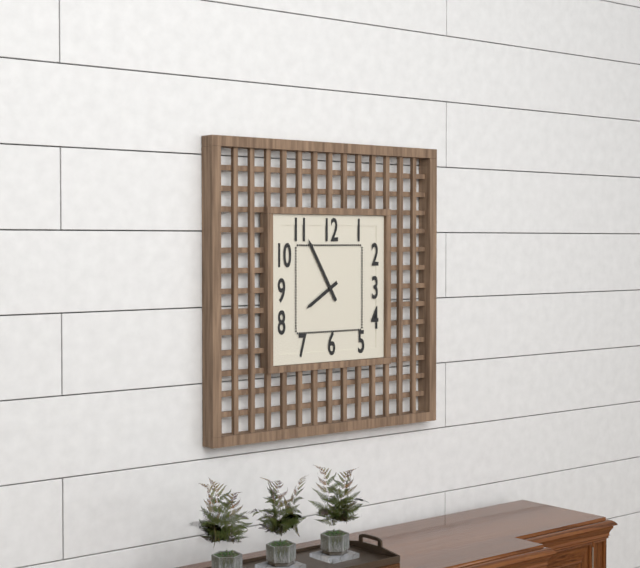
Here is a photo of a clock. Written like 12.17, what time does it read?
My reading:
7.55
